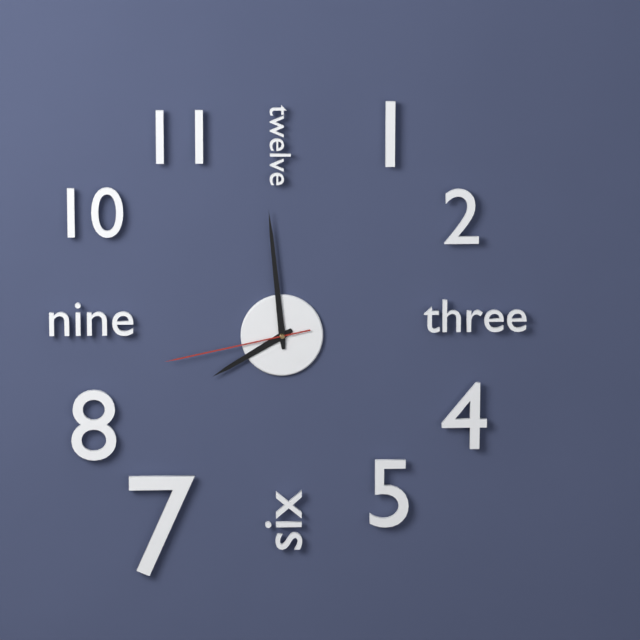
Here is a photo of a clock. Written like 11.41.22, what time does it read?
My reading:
7.59.43
